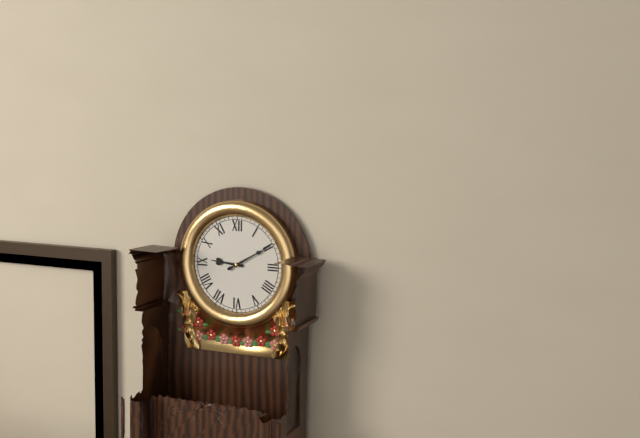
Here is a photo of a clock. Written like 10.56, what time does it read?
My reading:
9.10
